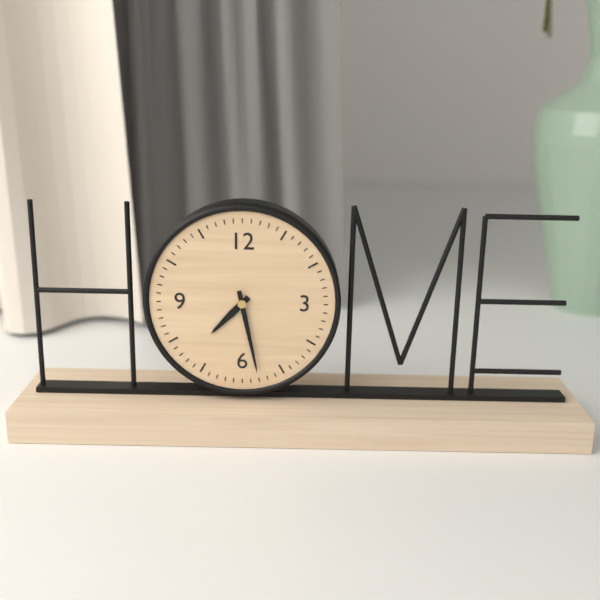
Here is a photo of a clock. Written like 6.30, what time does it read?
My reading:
7.28
